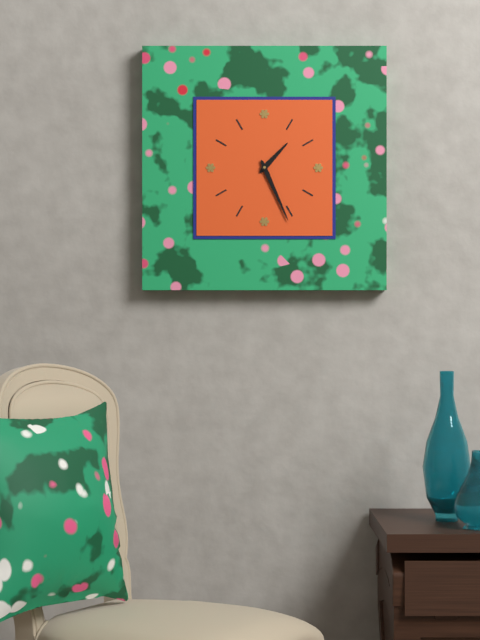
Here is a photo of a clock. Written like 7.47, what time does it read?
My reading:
1.26
